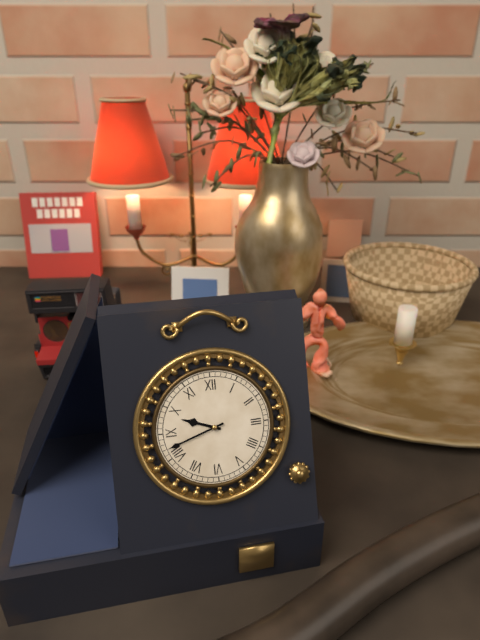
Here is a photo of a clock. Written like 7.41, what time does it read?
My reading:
9.42
